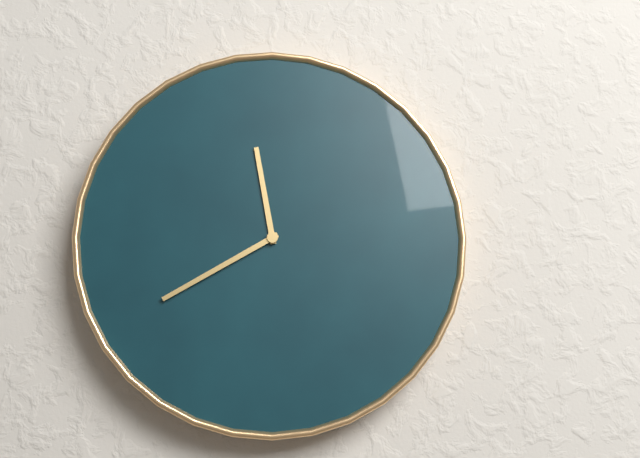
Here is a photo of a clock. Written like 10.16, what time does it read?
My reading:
11.40
